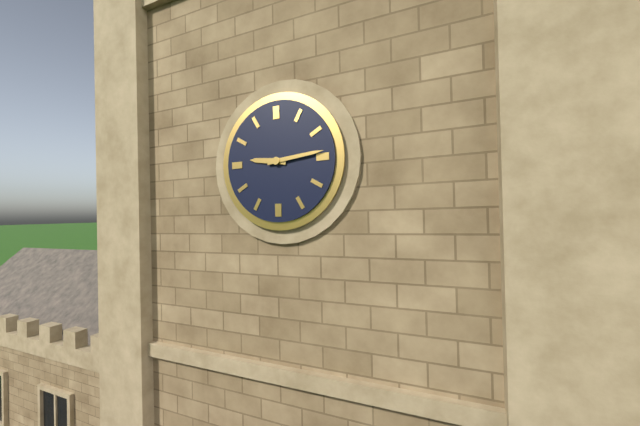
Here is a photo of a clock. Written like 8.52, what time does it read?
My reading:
9.14
